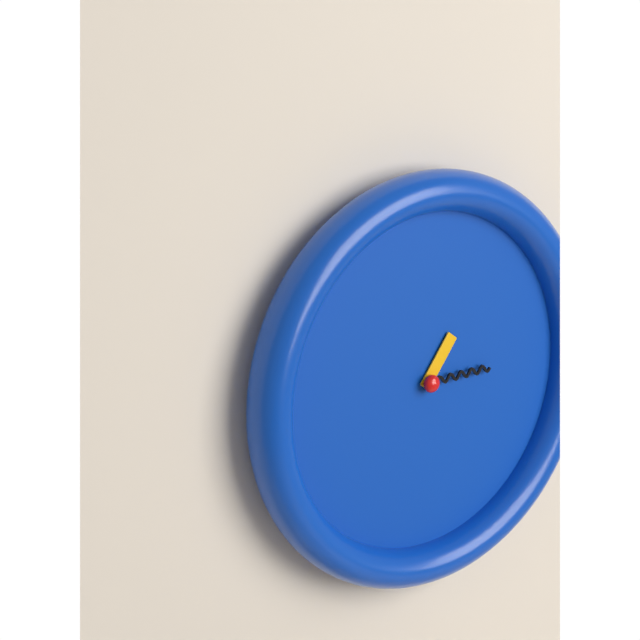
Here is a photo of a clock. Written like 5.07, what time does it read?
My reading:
1.15
